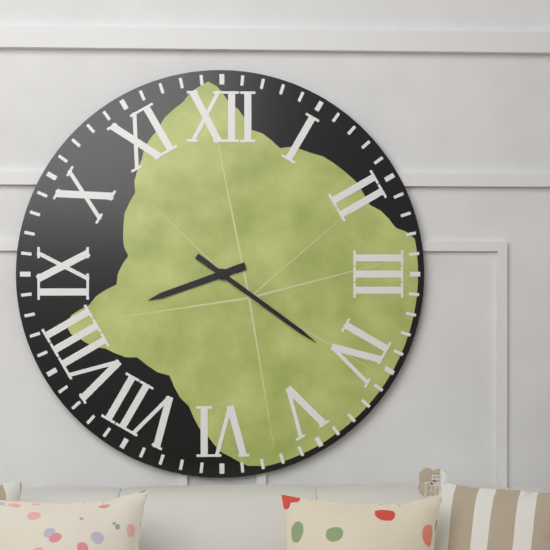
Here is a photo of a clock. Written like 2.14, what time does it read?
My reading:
8.21
